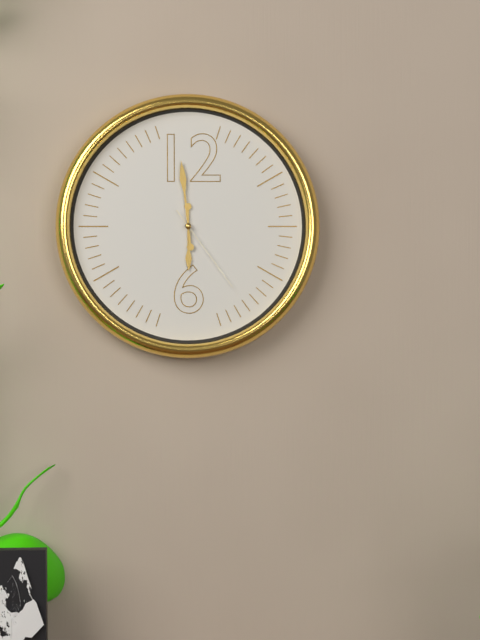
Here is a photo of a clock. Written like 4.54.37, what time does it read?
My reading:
5.59.24
